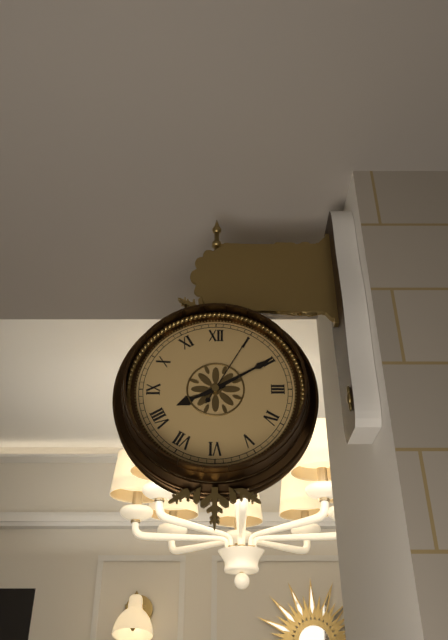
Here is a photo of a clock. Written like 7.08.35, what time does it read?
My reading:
8.10.05
